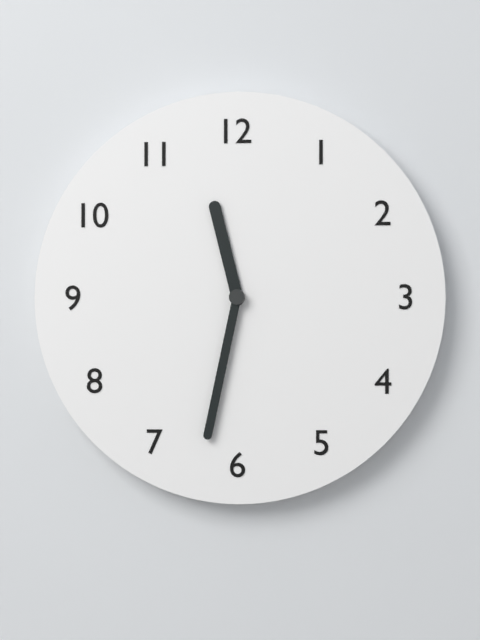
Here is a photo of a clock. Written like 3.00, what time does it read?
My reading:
11.32
